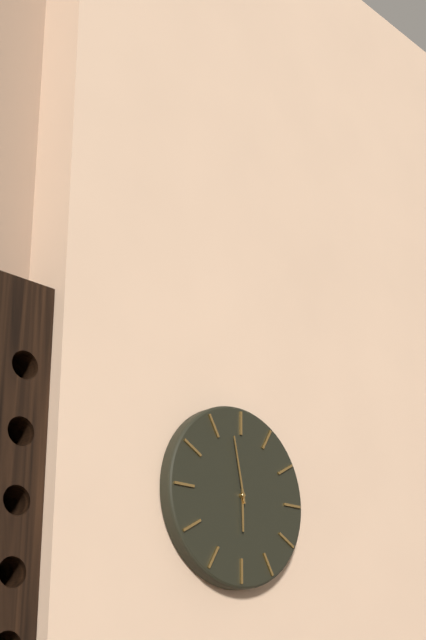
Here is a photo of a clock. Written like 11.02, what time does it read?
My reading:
5.58
